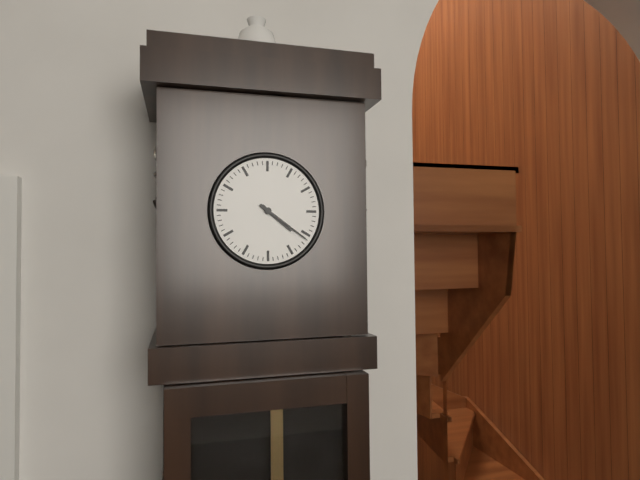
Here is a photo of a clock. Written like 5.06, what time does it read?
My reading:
4.21
